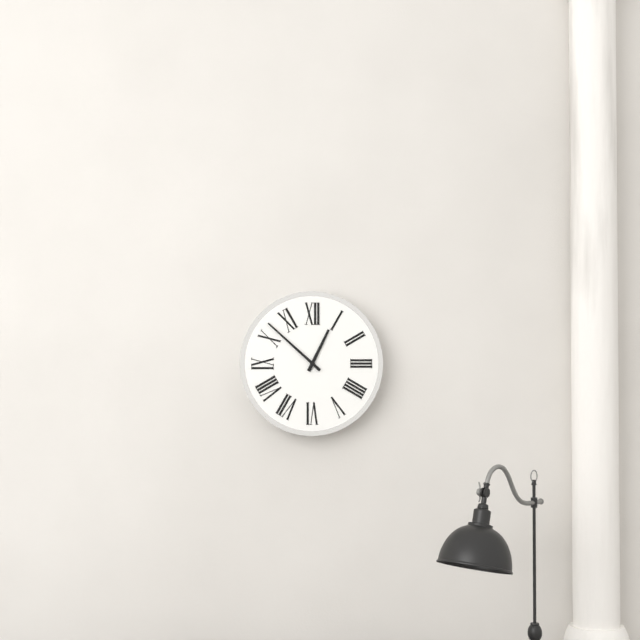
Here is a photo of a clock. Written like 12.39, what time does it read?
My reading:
12.52
